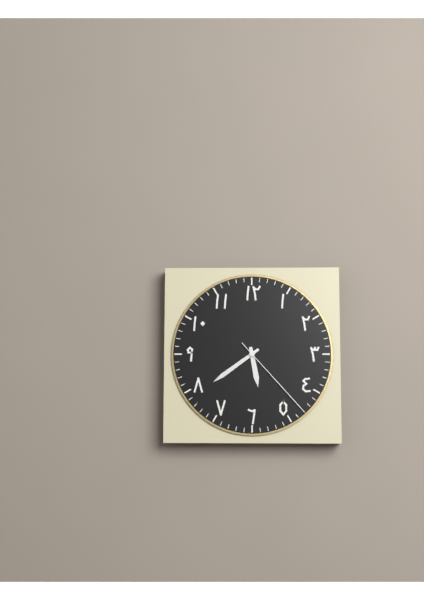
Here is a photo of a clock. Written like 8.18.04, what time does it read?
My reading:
5.39.23
